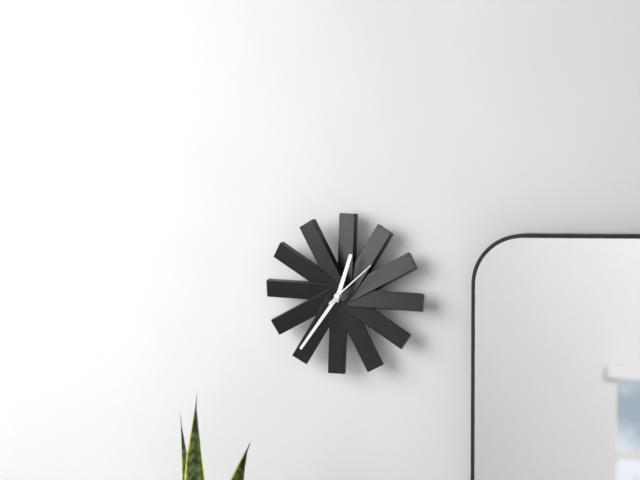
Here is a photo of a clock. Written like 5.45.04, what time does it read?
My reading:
12.36.08
